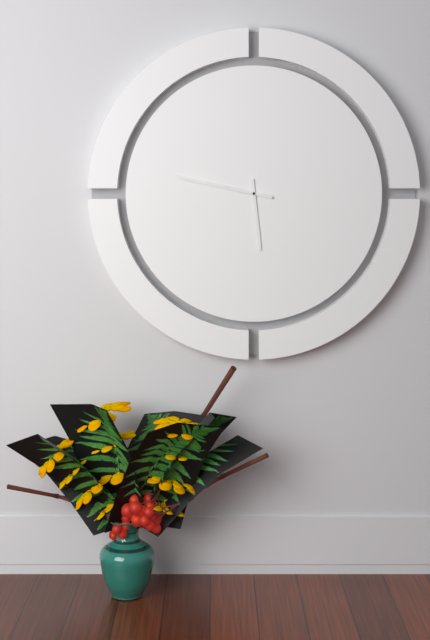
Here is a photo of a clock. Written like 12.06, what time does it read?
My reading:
5.47
